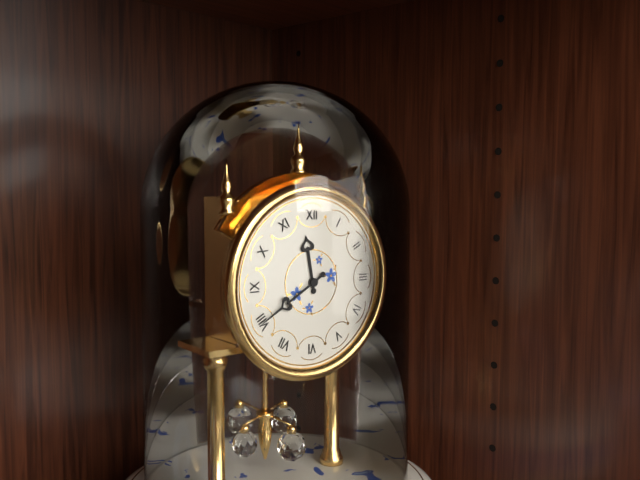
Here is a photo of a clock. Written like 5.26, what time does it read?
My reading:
11.40
